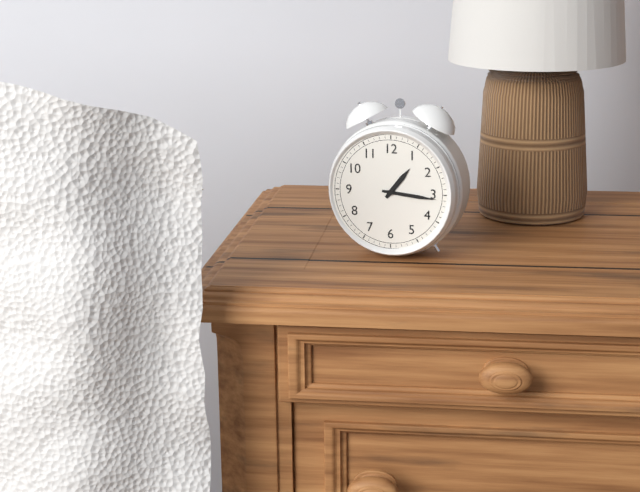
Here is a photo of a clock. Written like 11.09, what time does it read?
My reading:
1.16
